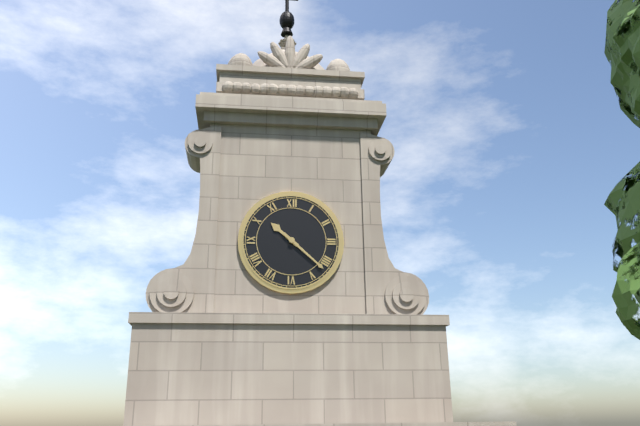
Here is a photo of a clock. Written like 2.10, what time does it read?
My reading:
10.22
